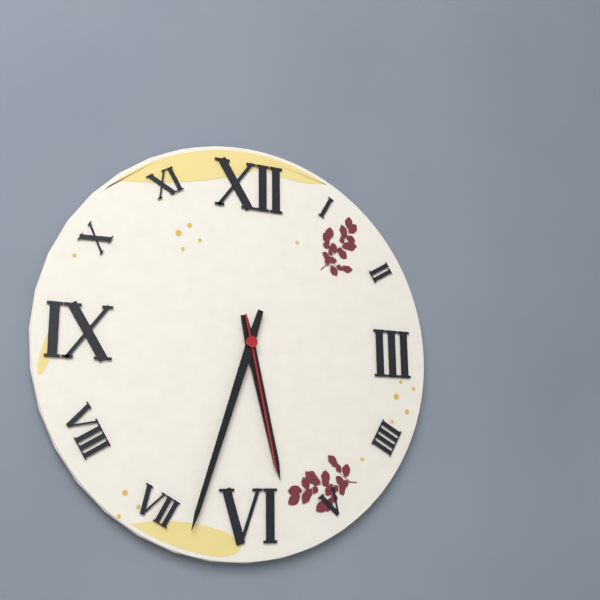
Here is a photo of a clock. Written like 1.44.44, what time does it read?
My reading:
5.33.28
